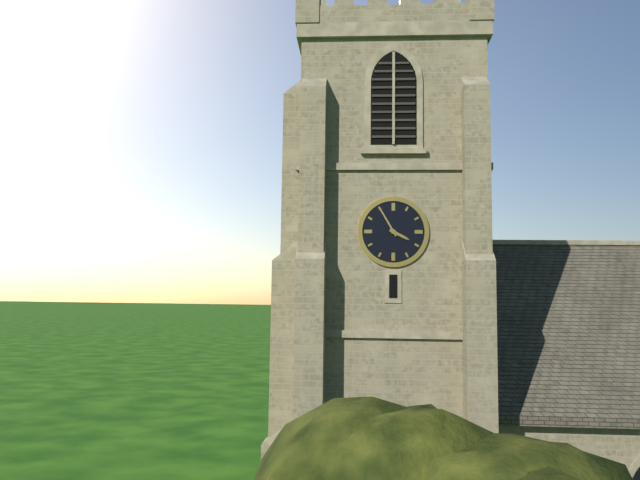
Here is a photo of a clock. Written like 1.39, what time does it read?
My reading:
3.55
